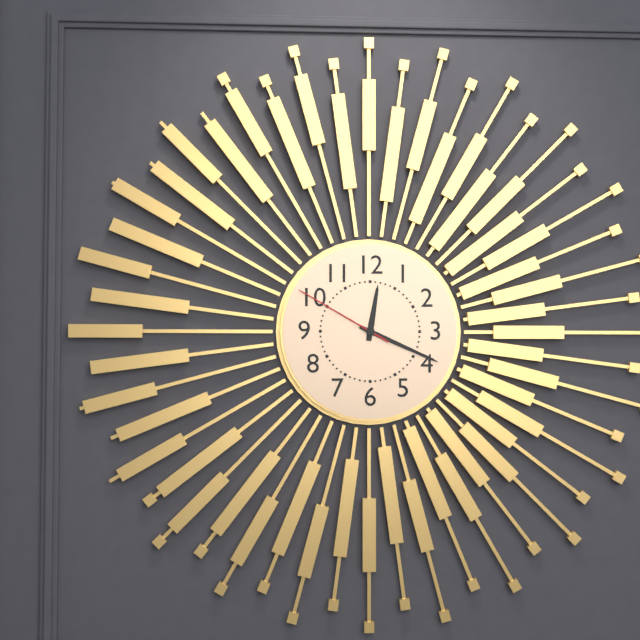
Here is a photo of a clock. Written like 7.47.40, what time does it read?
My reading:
12.19.50
